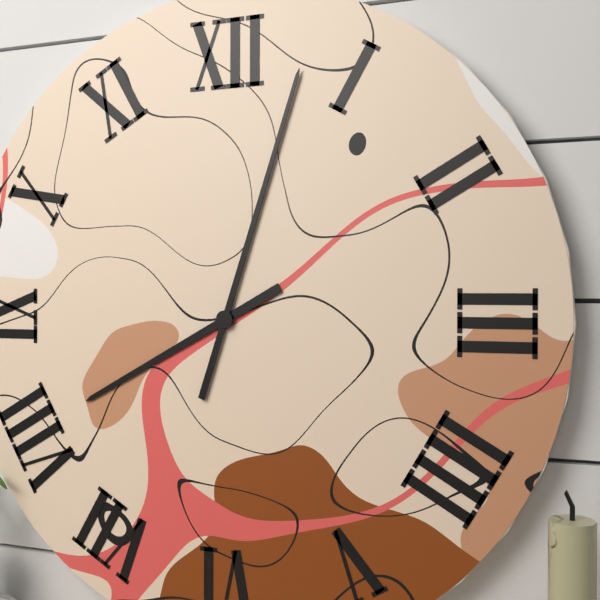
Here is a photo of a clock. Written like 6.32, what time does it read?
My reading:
8.03
